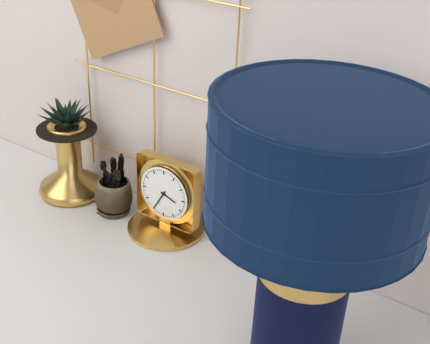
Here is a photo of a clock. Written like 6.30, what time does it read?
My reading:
3.35
